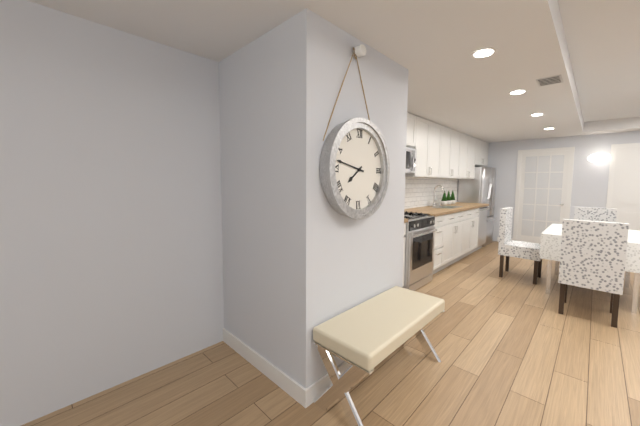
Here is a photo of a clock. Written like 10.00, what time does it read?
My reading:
7.47
